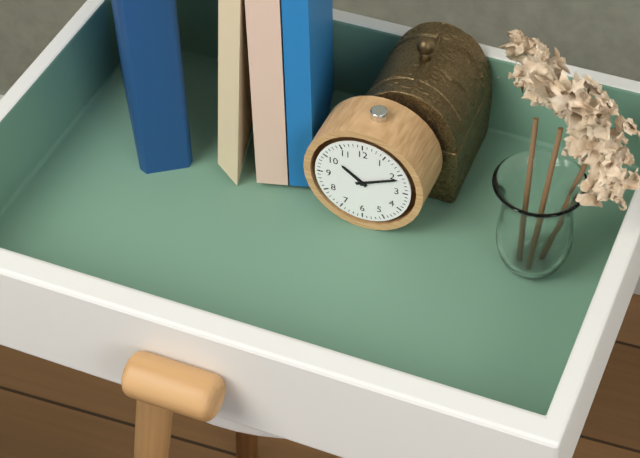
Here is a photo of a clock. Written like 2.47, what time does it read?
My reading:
10.11
